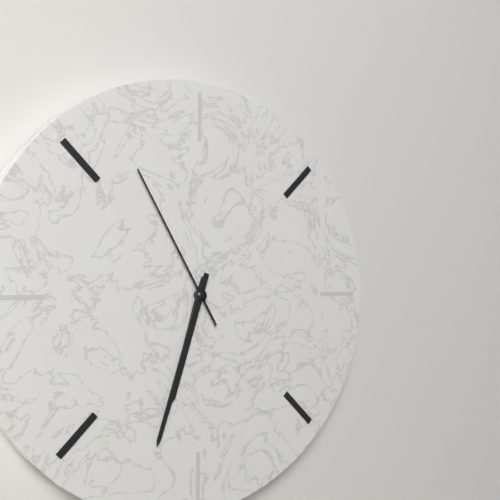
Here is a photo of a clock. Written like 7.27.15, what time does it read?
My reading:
6.33.55
